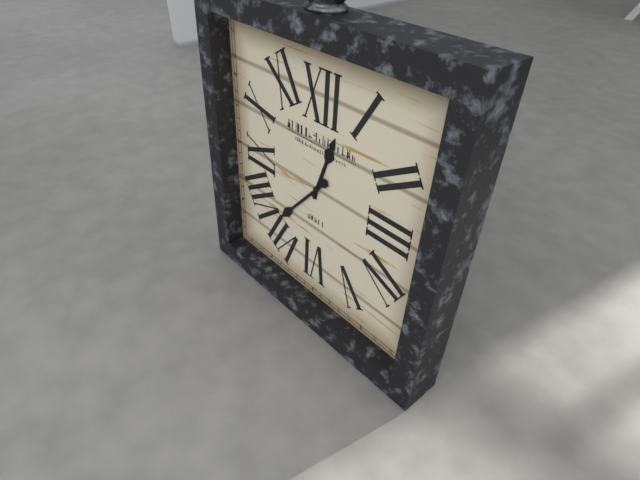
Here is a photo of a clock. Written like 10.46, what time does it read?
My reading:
12.37
